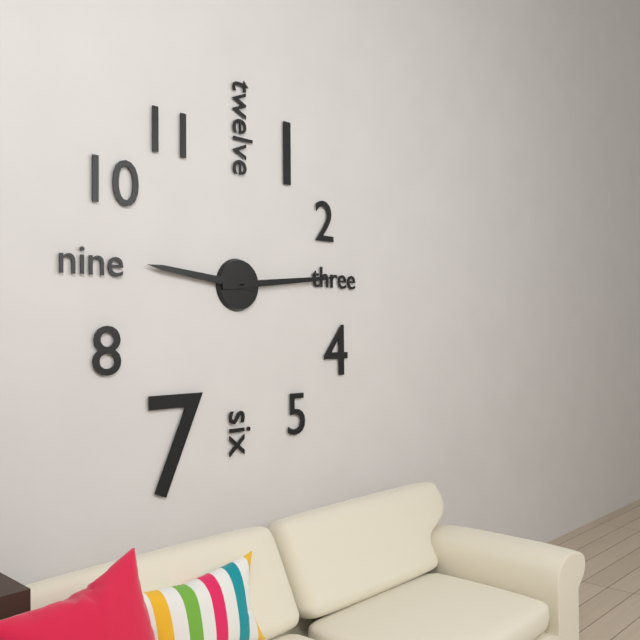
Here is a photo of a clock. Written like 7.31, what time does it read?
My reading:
9.14
